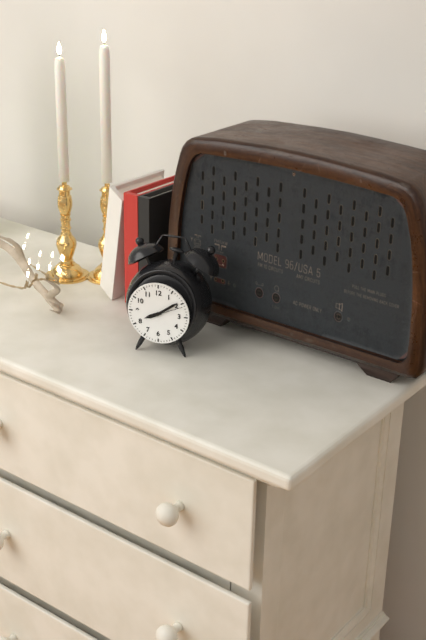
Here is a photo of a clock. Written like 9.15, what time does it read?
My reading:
8.09
